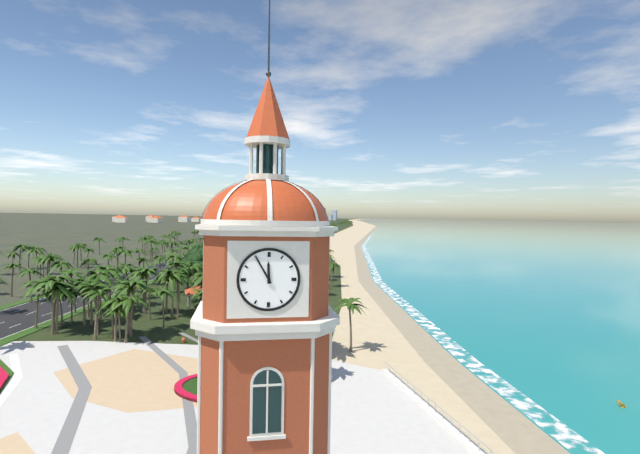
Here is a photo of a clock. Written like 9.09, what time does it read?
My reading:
11.55
